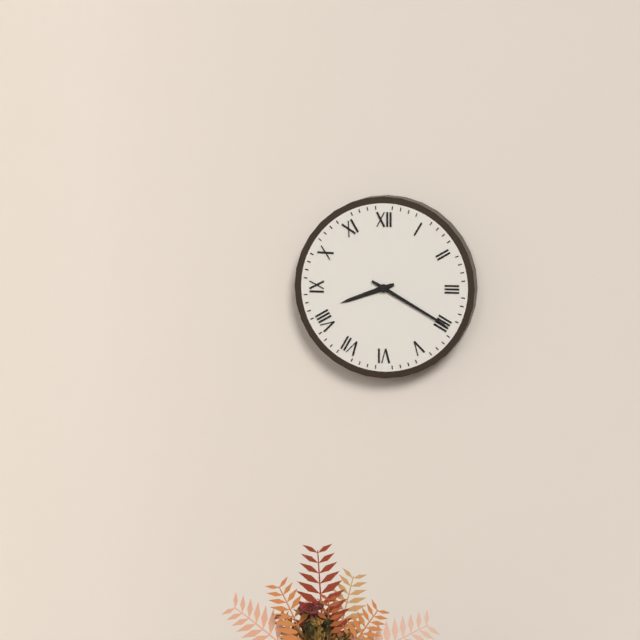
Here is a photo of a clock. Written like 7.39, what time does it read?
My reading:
8.20
